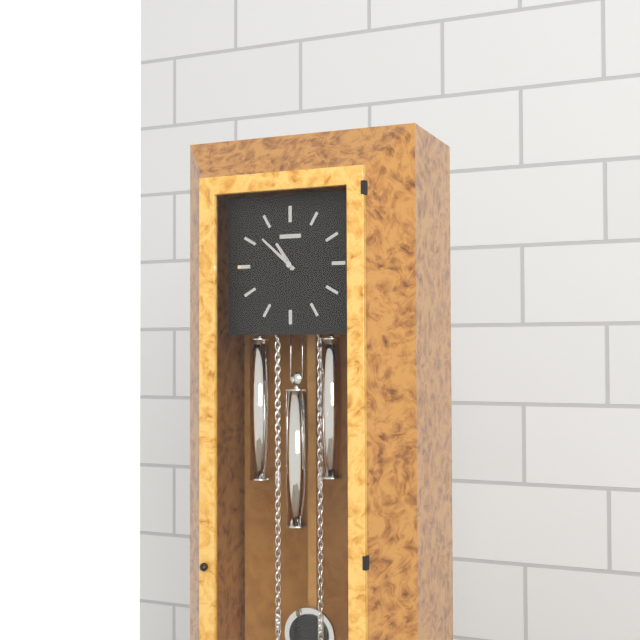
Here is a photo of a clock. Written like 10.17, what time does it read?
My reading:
10.52
